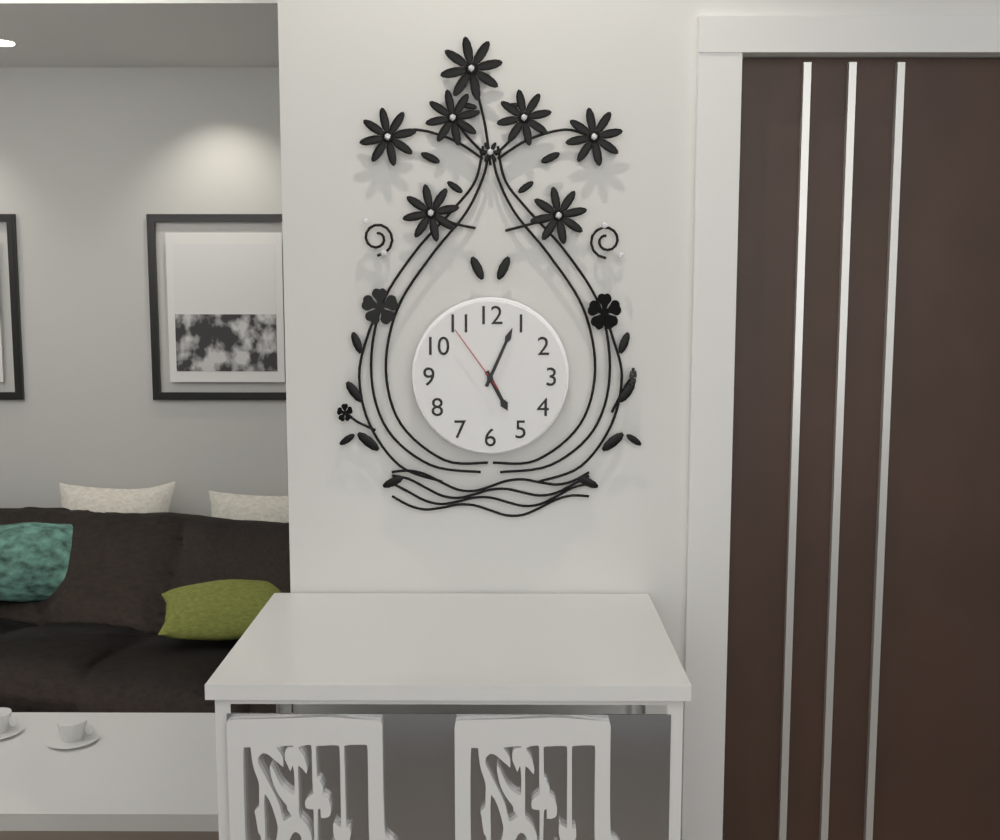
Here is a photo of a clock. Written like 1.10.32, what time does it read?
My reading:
5.04.54
